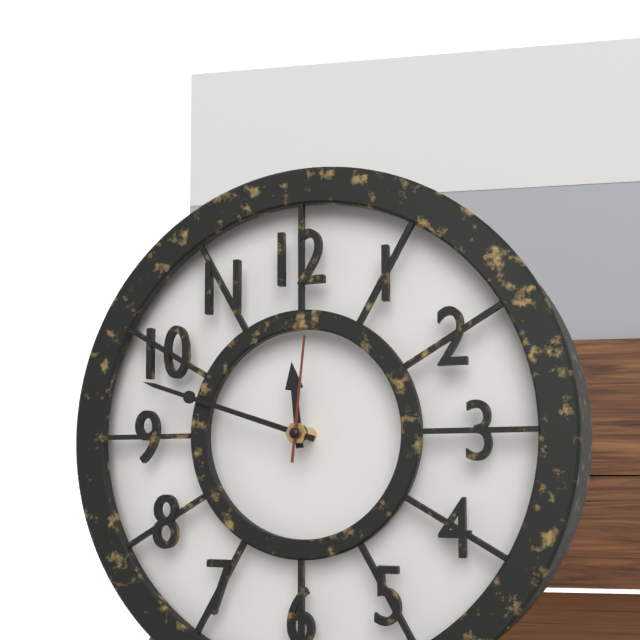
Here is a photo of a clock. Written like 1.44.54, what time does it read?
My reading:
11.48.01
